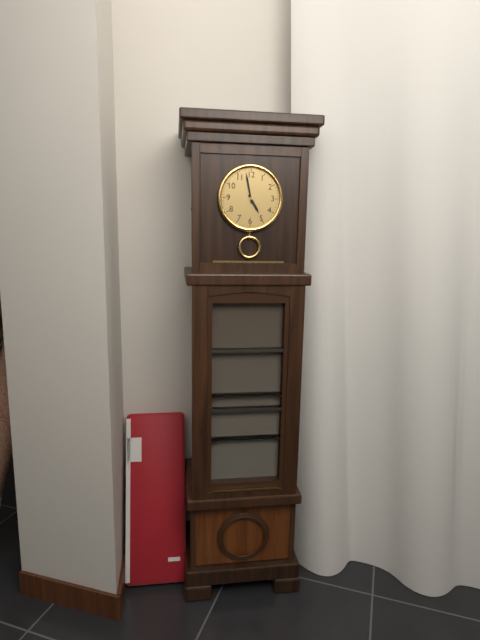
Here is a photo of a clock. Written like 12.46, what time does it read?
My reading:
4.58
